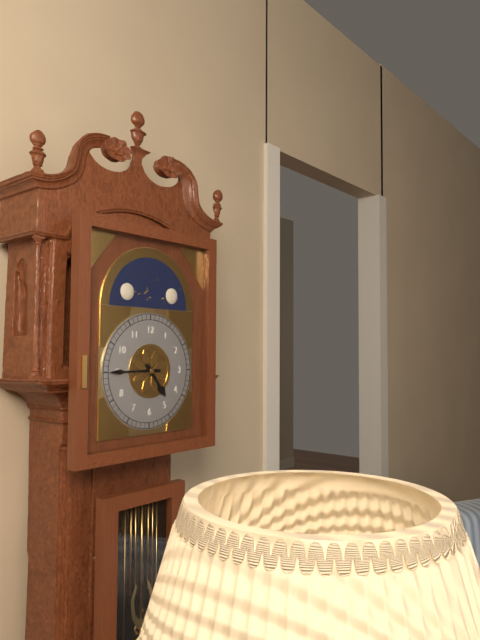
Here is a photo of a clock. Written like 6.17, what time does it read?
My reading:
4.45
